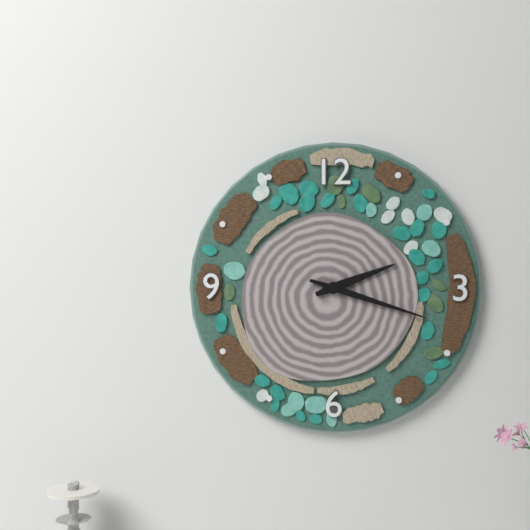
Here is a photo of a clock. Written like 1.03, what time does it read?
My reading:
2.18
